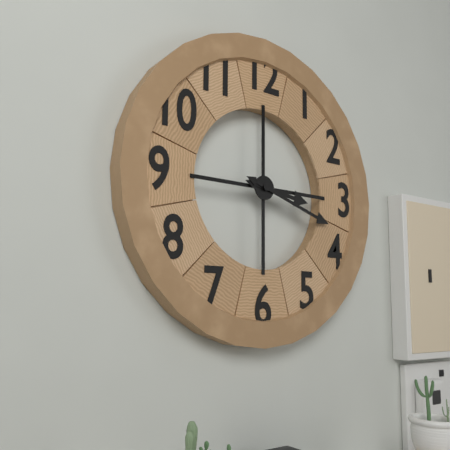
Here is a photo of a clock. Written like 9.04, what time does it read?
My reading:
3.18
